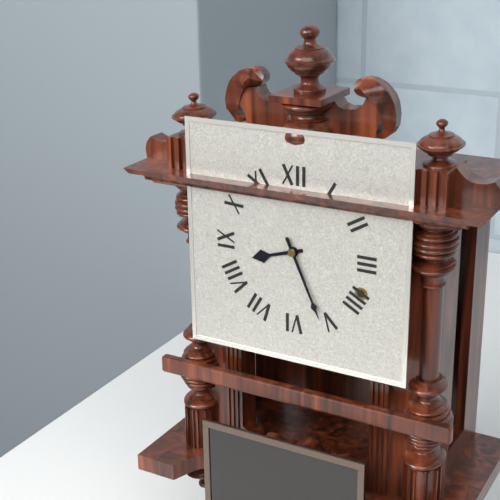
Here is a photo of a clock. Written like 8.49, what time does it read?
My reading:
8.26
